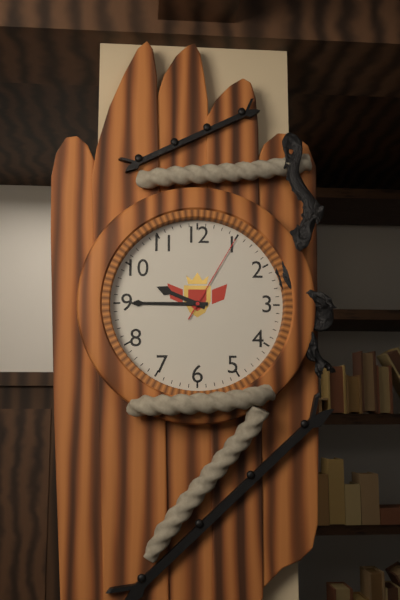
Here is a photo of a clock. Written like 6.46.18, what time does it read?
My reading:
9.45.05
